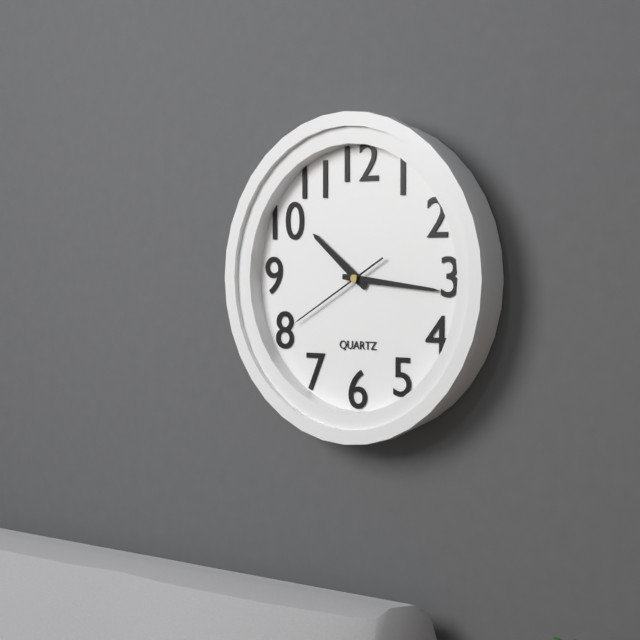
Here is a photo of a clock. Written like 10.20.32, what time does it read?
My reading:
10.16.40
